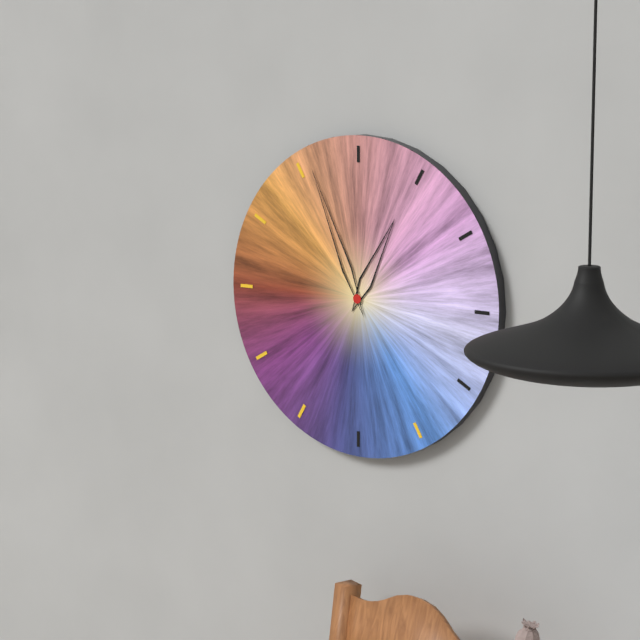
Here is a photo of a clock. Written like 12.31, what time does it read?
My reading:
12.56
